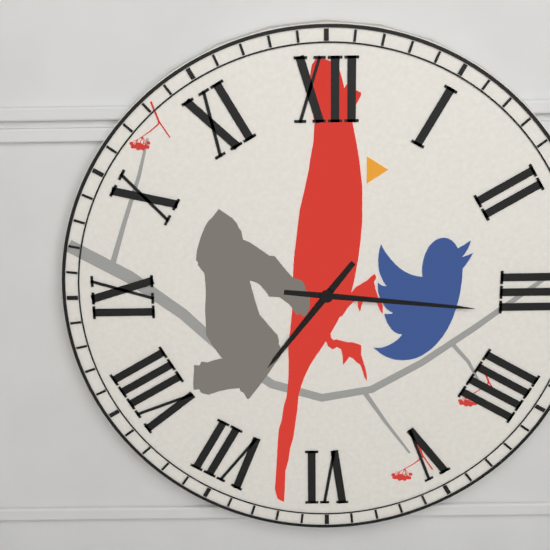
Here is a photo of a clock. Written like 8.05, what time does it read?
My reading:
7.16
